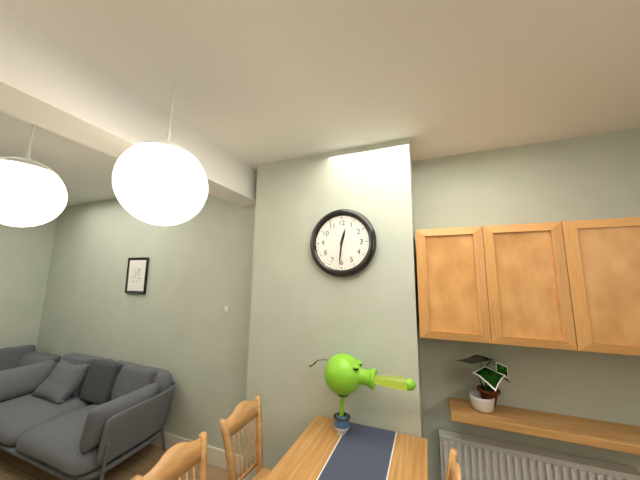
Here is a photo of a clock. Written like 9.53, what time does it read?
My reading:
12.31
